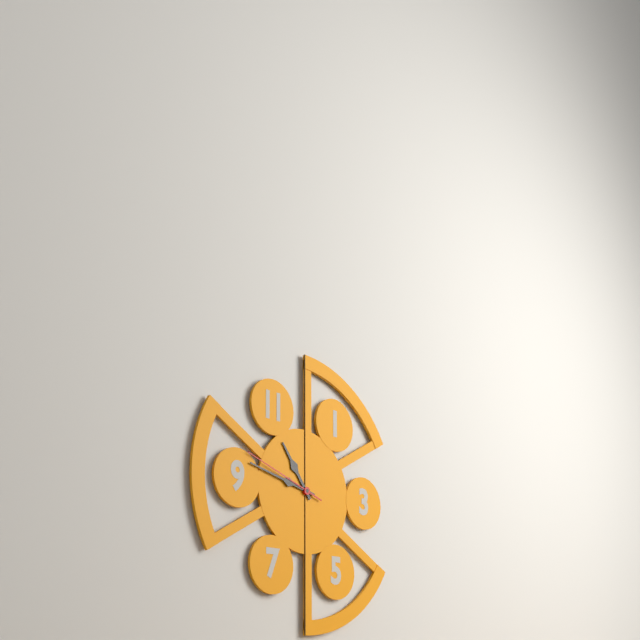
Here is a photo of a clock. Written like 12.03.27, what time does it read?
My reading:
10.47.48
